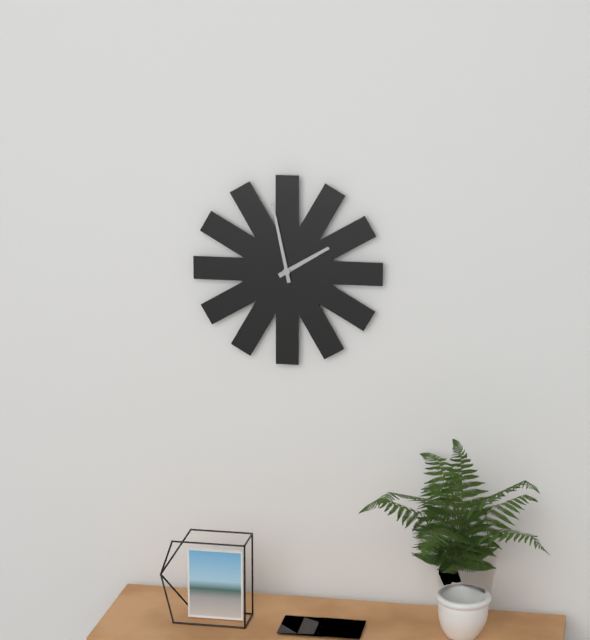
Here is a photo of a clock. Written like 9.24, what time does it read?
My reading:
1.58
